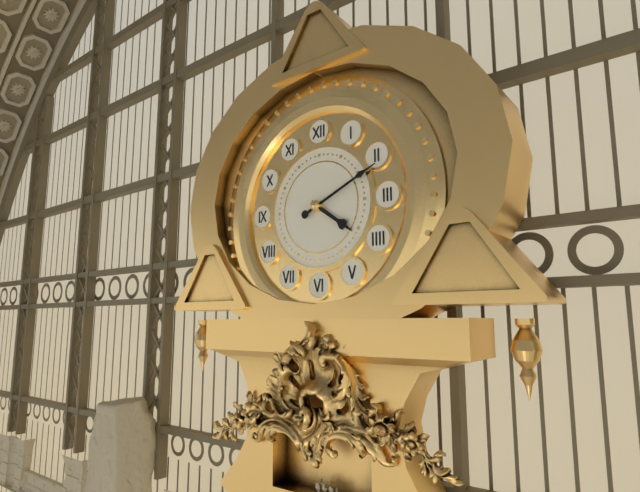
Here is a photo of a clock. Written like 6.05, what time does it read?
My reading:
4.11
